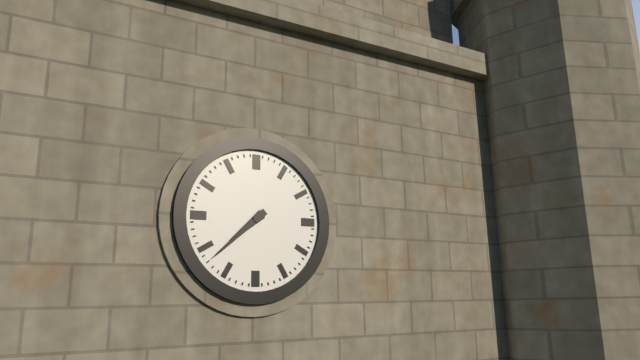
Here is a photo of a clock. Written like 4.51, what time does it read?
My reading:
7.38
